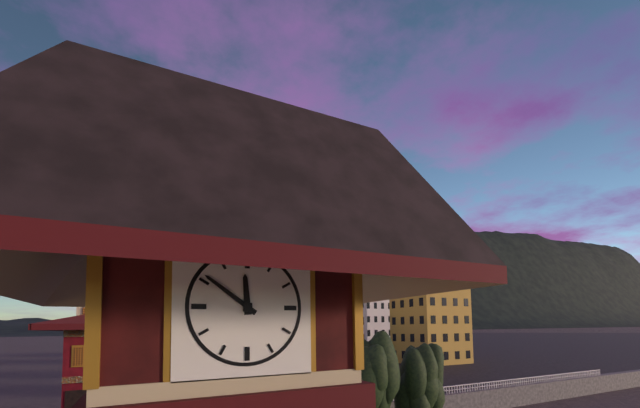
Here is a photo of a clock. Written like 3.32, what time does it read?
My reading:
11.51
